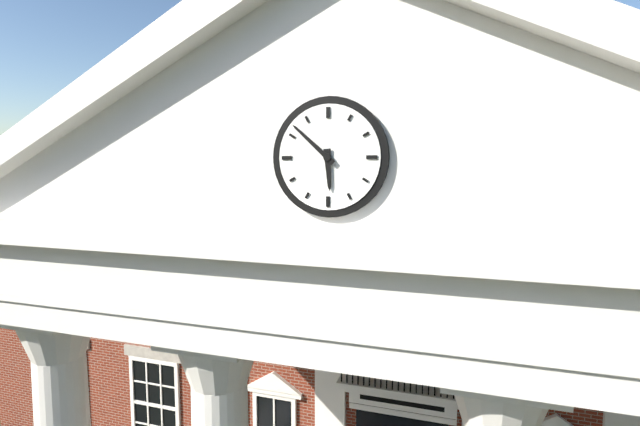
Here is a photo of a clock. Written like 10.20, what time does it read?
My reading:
5.52
